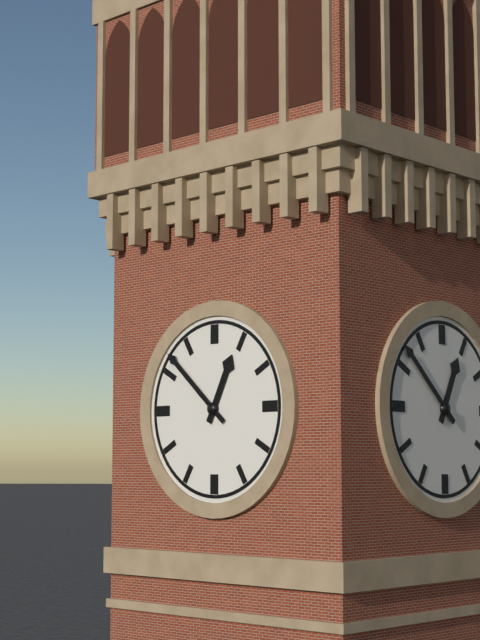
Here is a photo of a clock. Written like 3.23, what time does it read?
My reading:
12.52
